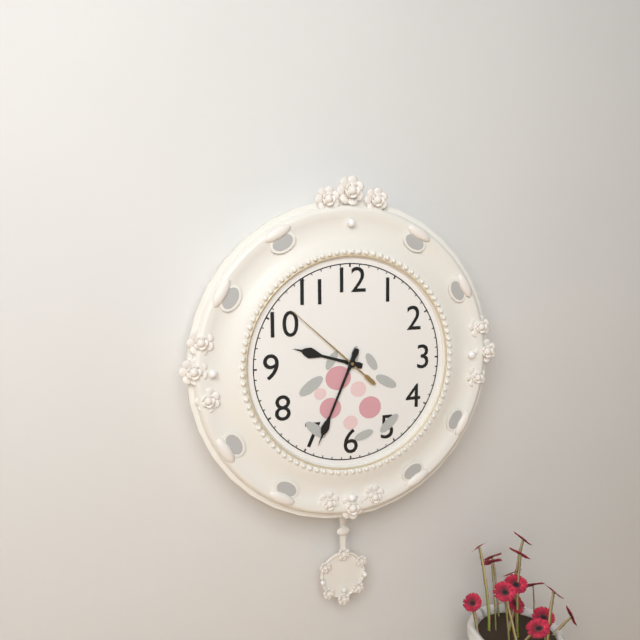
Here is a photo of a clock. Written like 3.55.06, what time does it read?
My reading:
9.34.52
